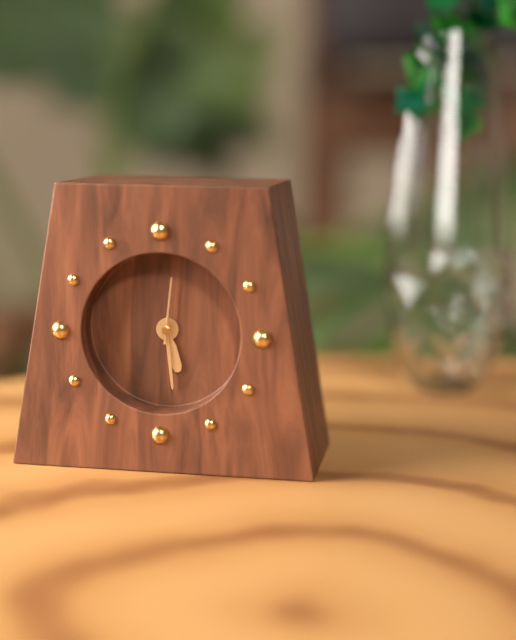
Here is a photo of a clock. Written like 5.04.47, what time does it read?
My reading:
5.29.01
